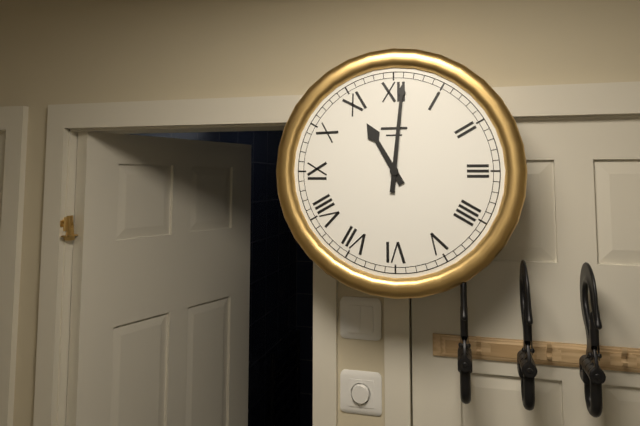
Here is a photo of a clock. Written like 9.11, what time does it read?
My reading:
11.01
